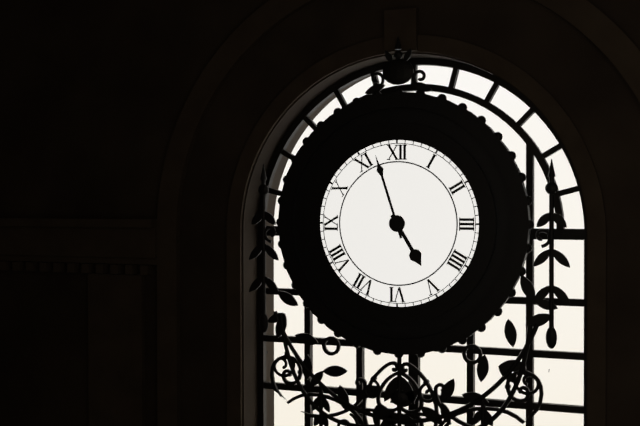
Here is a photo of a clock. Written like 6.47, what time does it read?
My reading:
4.57
